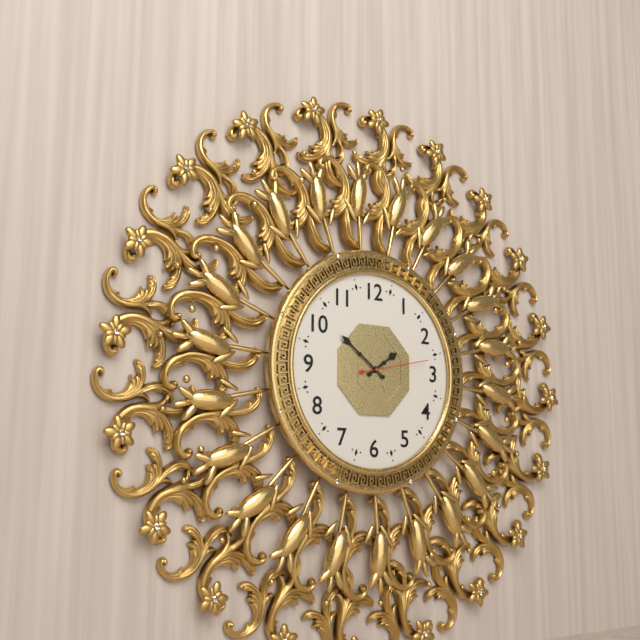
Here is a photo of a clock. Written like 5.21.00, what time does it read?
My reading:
1.51.13
